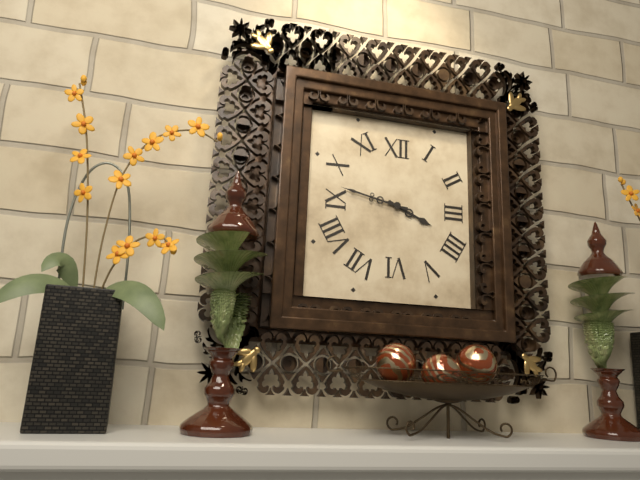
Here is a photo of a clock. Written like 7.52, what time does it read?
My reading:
3.47
